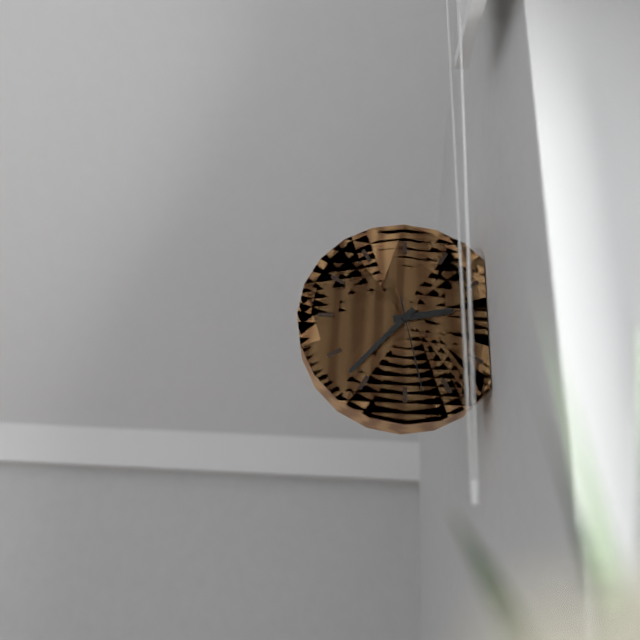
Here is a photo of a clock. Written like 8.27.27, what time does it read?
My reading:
2.37.28
